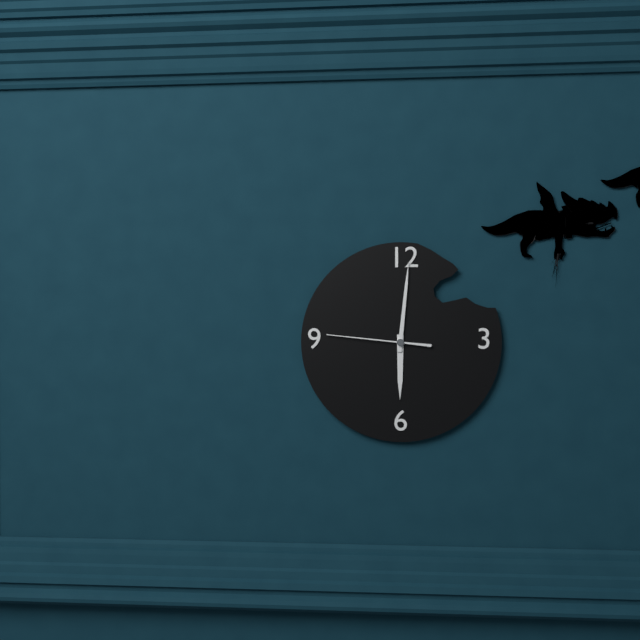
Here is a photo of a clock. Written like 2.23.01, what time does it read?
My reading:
6.01.46
